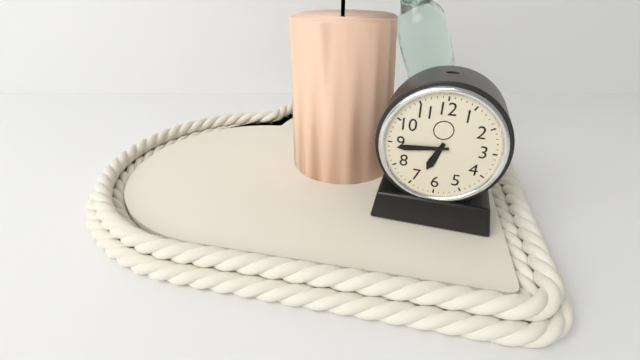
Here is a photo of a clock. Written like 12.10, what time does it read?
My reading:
6.44
